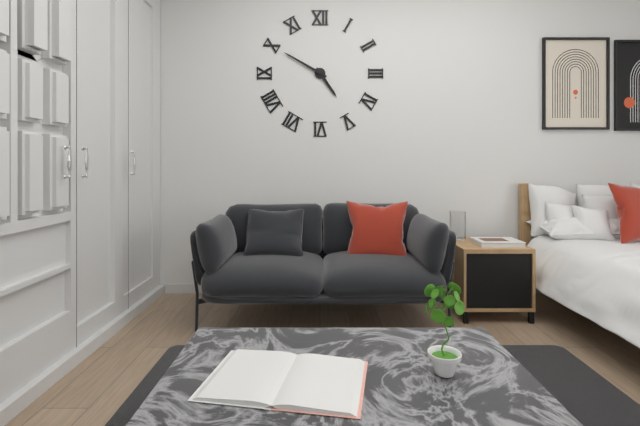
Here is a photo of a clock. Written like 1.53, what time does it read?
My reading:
4.50
